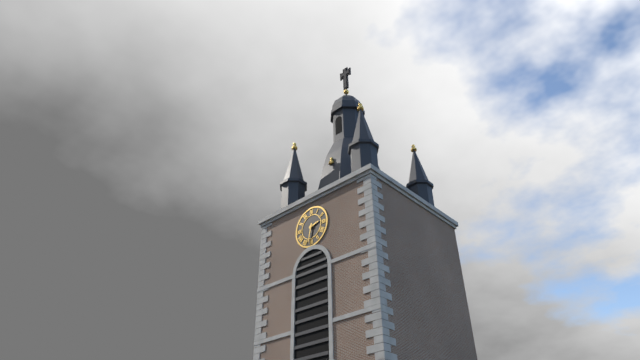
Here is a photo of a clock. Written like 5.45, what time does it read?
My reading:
2.32
